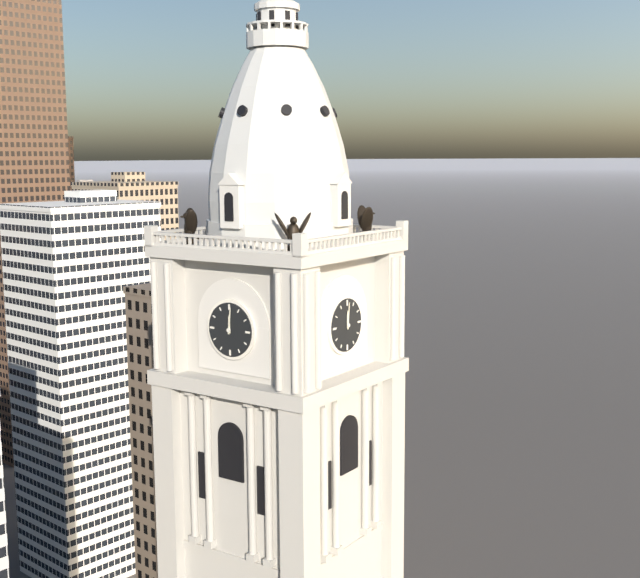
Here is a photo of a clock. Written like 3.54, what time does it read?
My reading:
12.01
